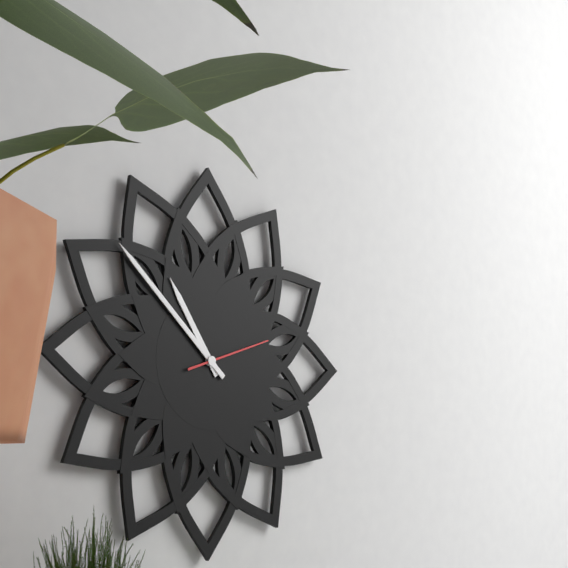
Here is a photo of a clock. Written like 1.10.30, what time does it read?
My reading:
10.52.12
